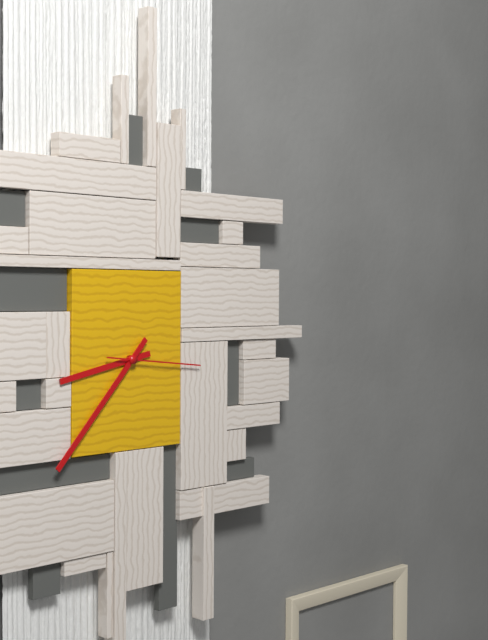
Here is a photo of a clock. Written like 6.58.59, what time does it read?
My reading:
8.37.16
